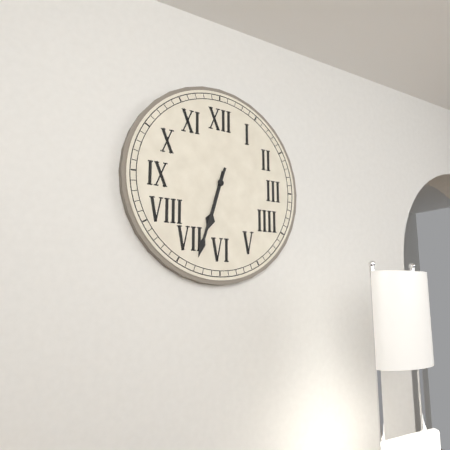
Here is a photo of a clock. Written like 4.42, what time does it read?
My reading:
6.33
